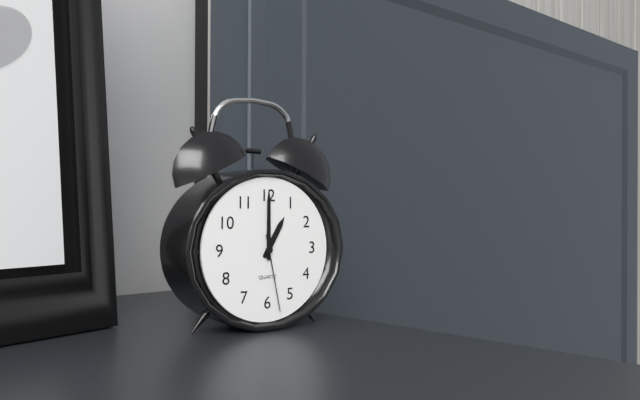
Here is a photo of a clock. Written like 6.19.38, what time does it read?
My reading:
1.00.28
